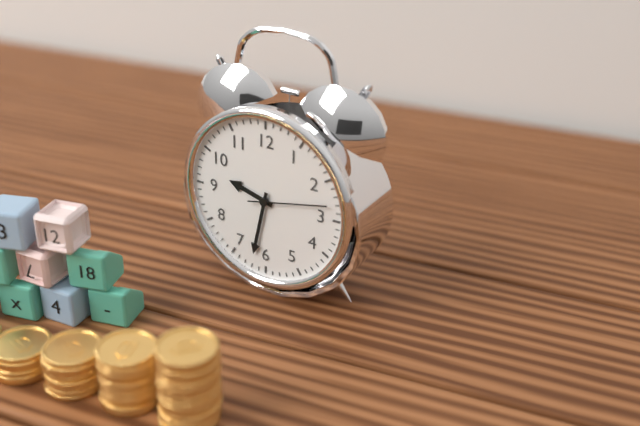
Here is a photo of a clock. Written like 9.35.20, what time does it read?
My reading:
9.32.13
